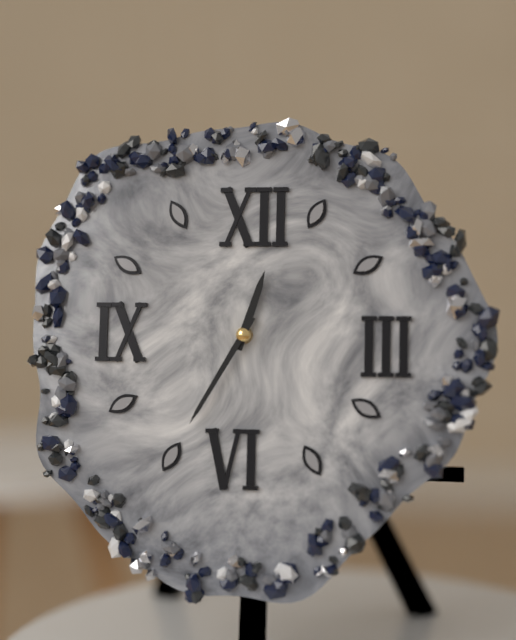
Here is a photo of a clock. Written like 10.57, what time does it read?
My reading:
12.35
